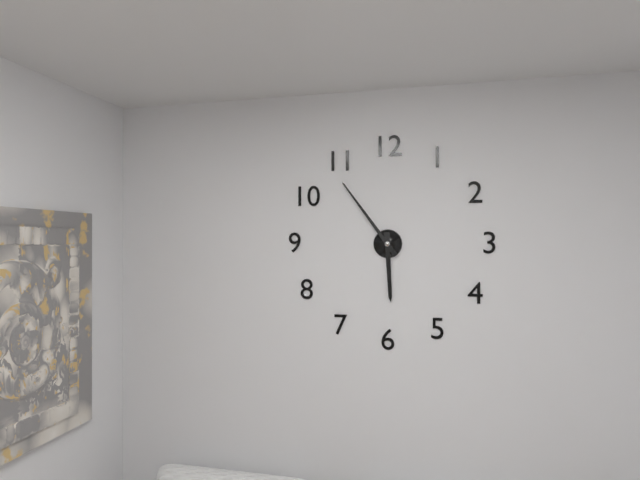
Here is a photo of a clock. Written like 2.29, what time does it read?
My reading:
5.54
